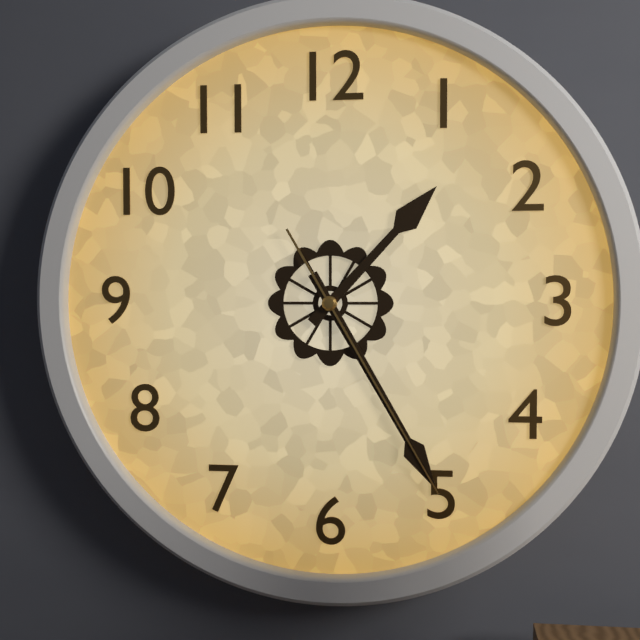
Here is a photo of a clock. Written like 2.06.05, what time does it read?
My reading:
1.25.25
